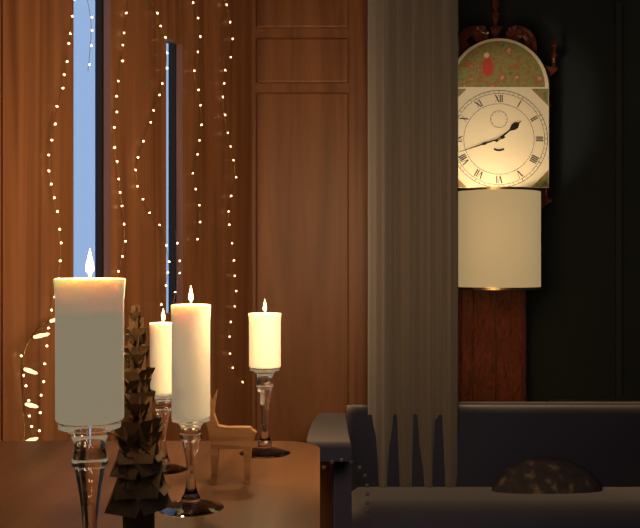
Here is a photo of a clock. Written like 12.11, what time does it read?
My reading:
1.42
